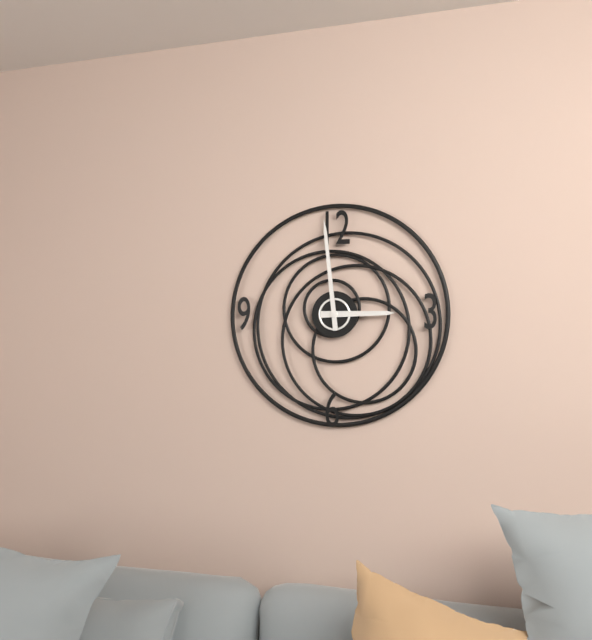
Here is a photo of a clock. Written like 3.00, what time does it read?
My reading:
2.59
